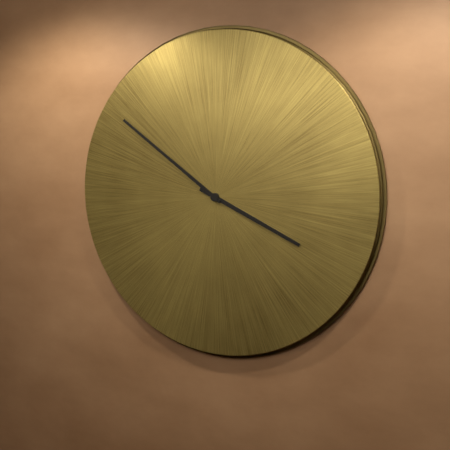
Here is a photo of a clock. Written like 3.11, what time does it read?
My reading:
3.51
